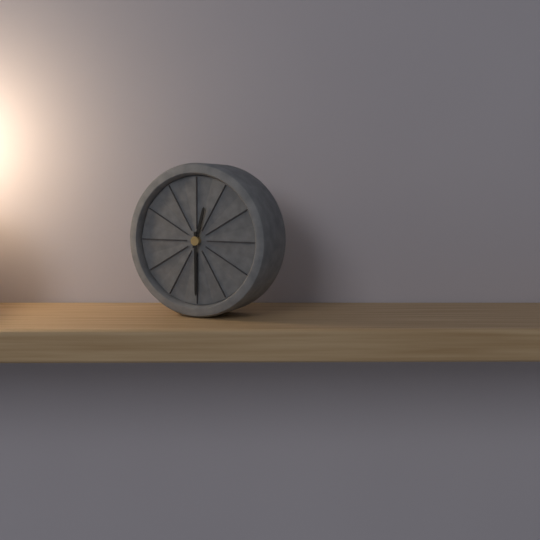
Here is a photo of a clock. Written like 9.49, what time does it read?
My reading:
12.30
